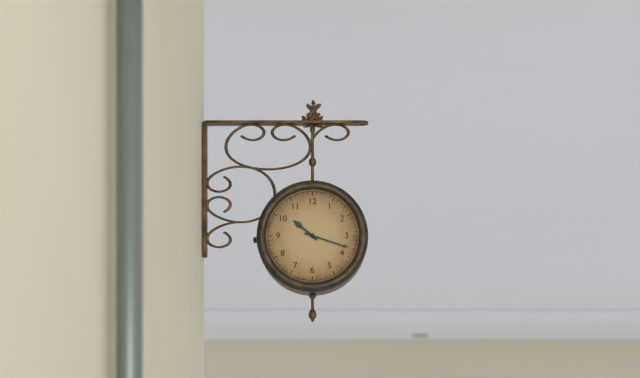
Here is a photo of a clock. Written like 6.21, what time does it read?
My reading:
10.18
